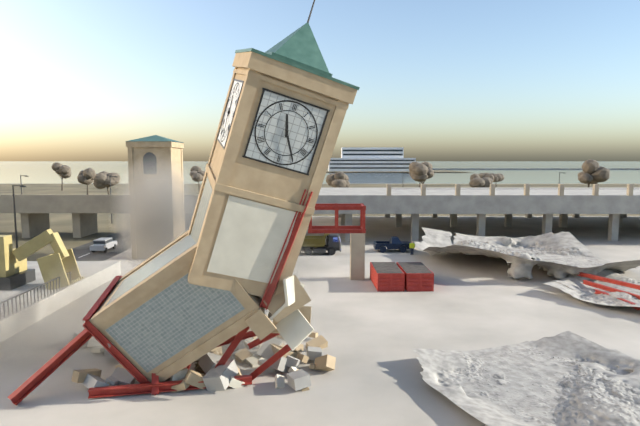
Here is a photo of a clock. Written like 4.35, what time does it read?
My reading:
11.25
